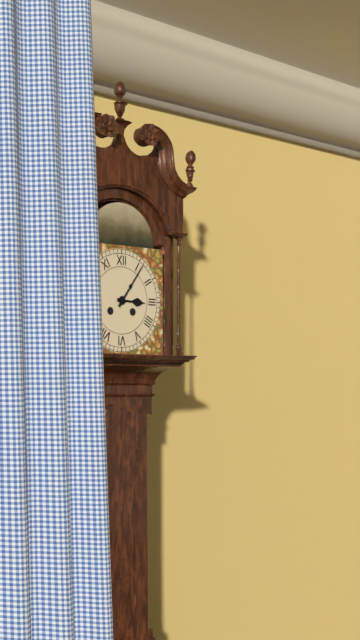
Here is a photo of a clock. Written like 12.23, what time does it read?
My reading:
3.06
